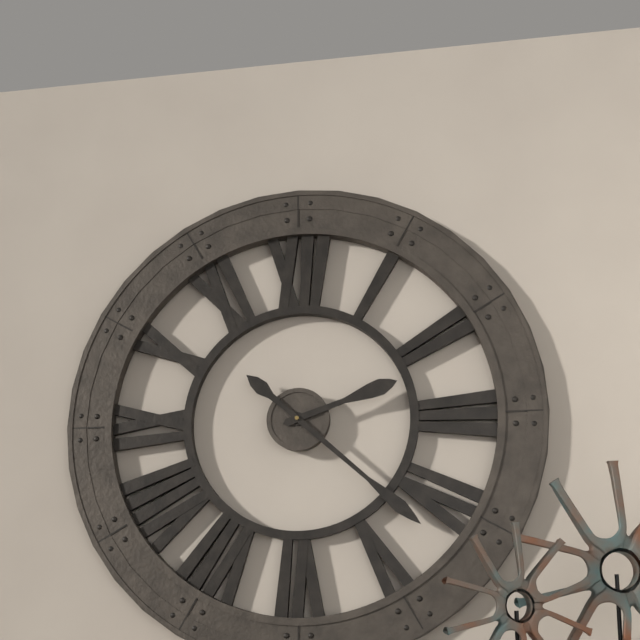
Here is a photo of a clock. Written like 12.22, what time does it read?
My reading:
2.22
